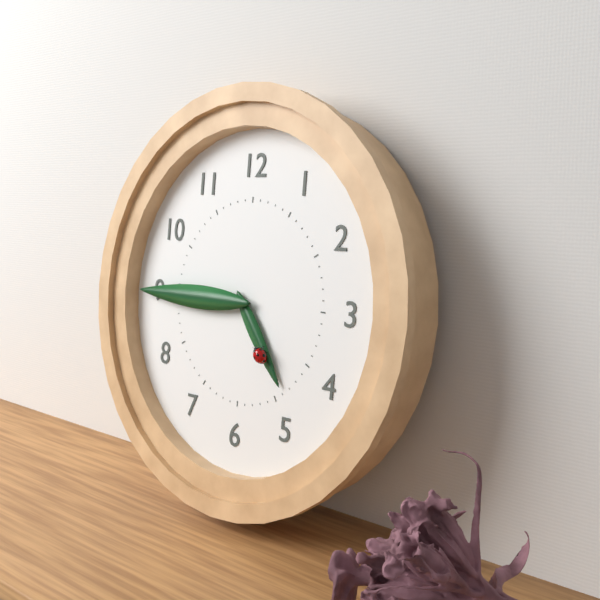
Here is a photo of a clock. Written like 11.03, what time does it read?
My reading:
4.45
